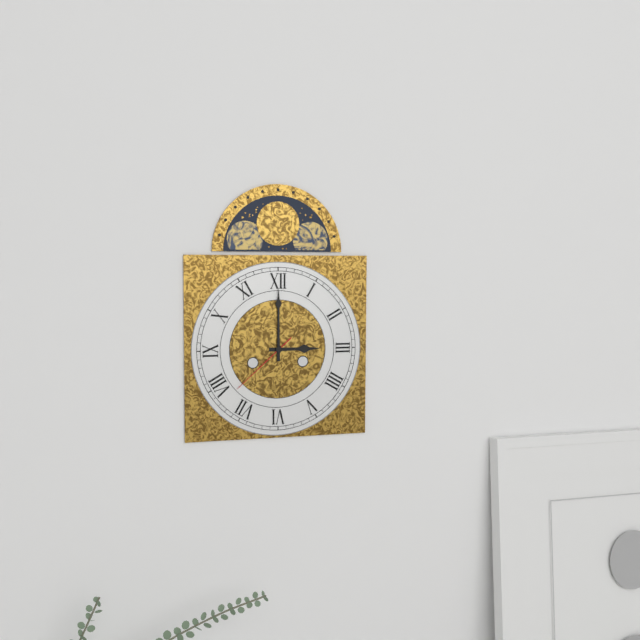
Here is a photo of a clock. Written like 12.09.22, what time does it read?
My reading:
3.00.38
